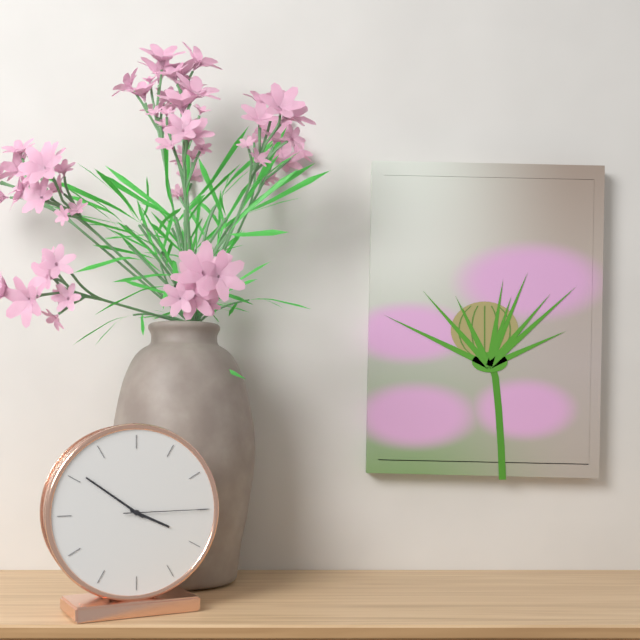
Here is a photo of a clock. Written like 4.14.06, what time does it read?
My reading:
3.51.15
